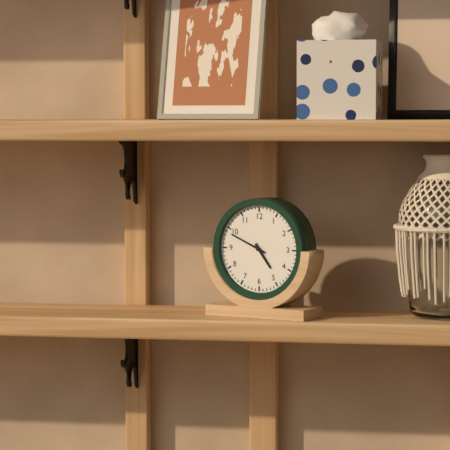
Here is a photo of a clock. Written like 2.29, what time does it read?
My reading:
4.49
